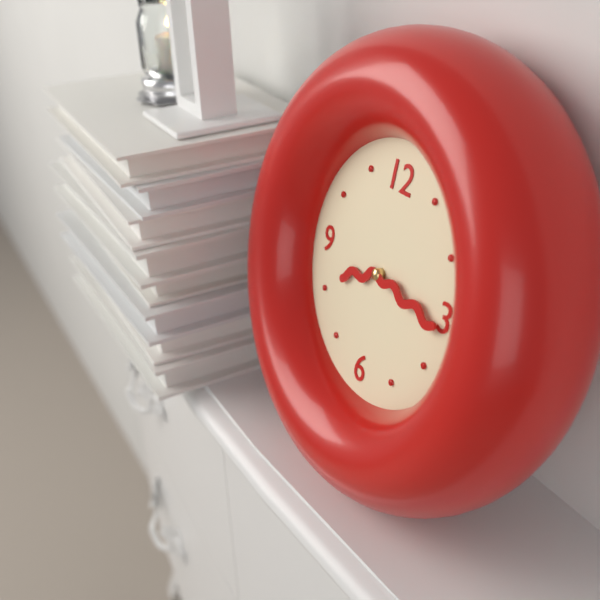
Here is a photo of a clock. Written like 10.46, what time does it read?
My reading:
8.16
